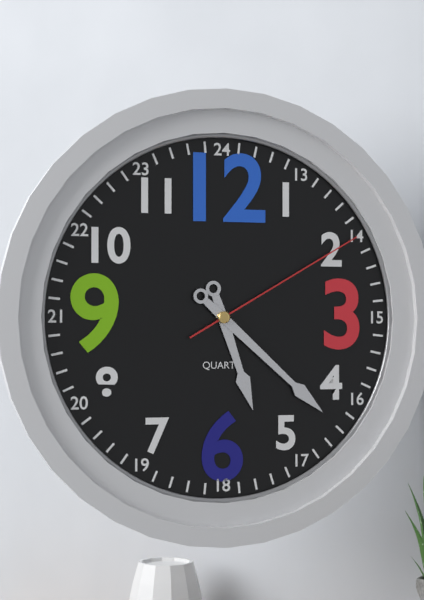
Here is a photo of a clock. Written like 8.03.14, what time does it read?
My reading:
5.22.10
